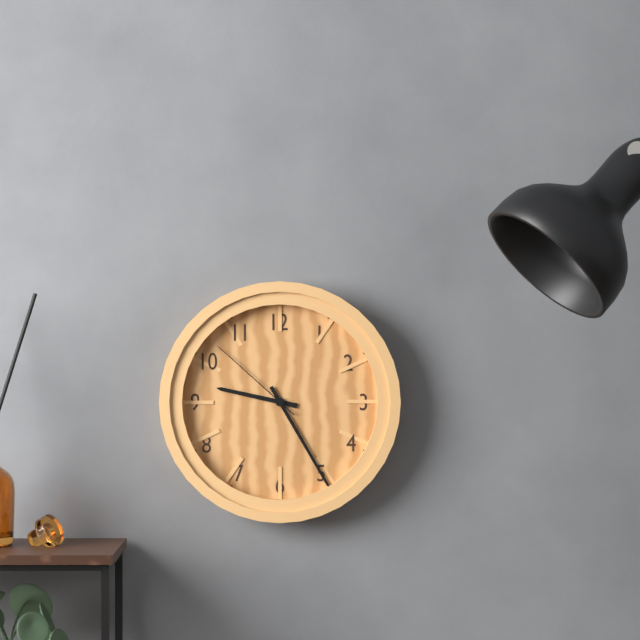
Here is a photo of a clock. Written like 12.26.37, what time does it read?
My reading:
9.25.52
